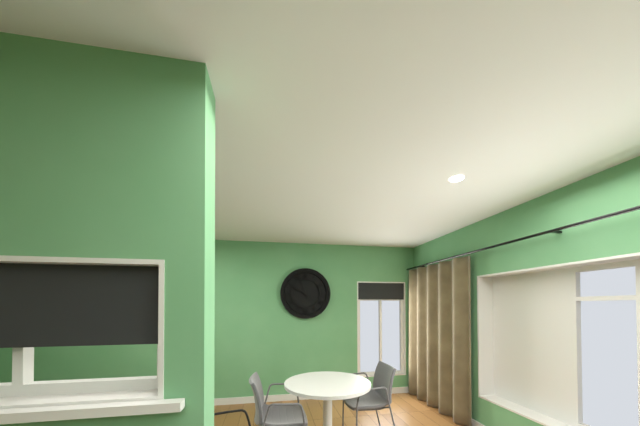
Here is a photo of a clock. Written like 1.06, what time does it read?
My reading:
9.57
